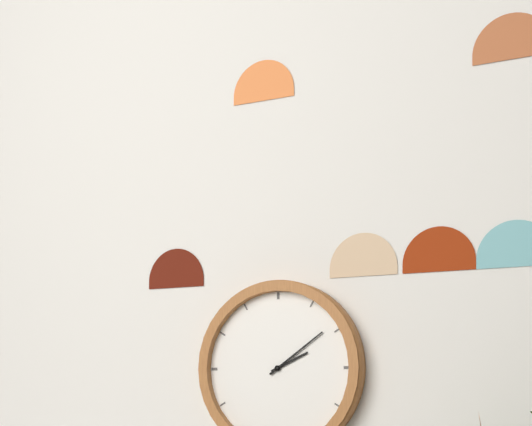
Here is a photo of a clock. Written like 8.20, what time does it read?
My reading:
2.09
